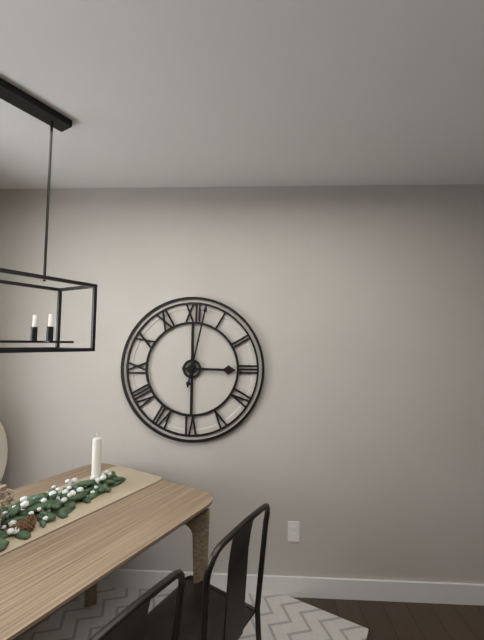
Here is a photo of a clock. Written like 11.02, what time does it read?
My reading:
3.02
